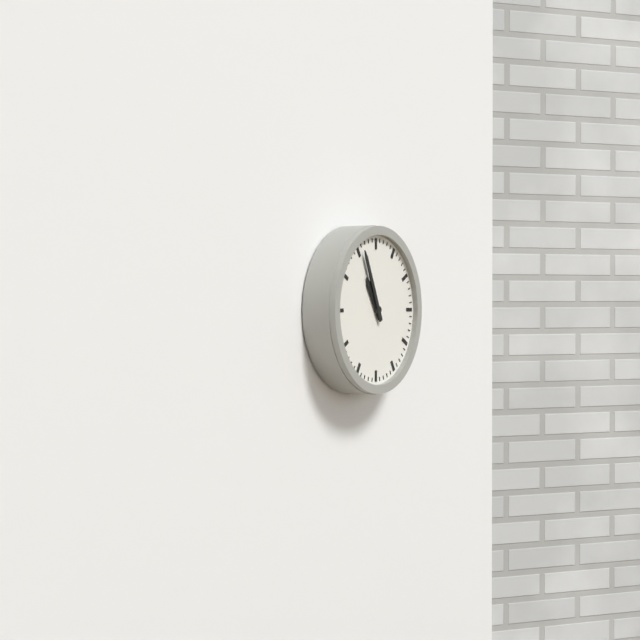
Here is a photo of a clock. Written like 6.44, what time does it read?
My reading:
10.56
